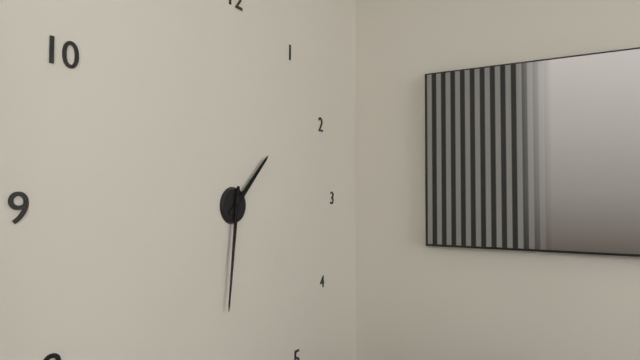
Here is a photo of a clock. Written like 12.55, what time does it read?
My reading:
1.31
